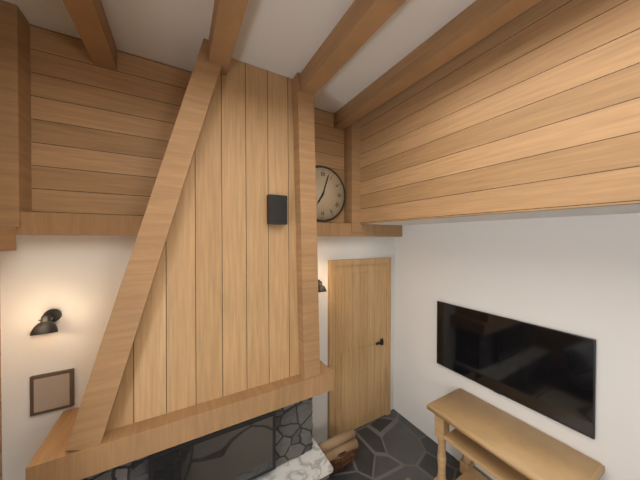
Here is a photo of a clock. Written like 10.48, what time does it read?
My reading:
7.03
